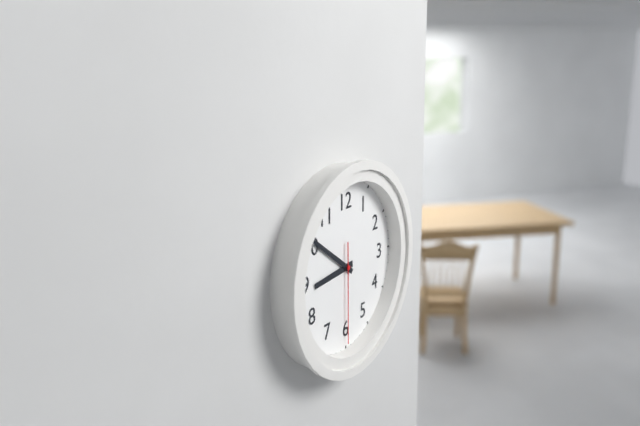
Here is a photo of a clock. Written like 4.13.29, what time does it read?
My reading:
8.51.30
